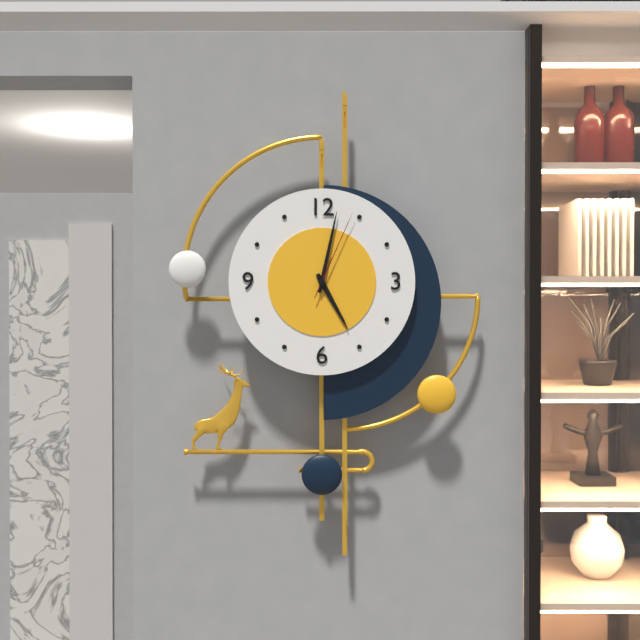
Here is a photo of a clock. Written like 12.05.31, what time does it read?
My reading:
5.02.04
